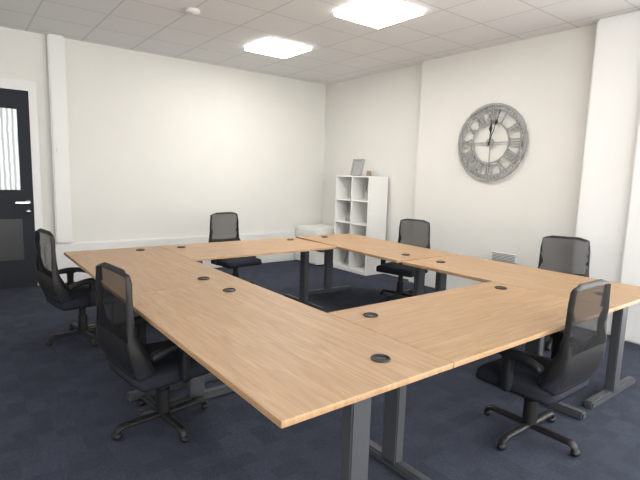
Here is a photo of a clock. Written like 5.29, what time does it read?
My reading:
12.03
